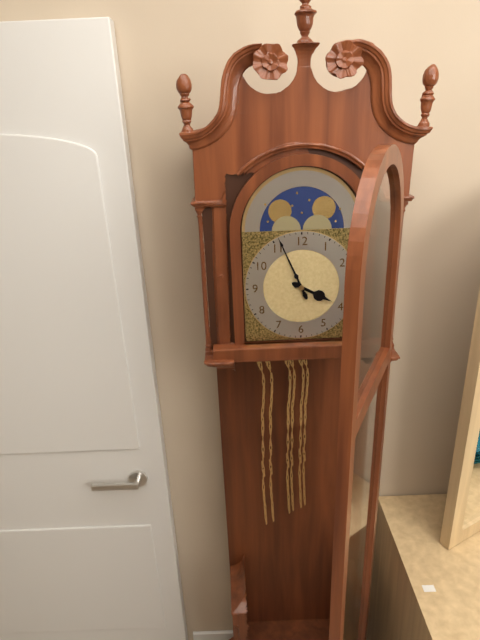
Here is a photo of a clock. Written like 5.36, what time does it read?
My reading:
3.56
